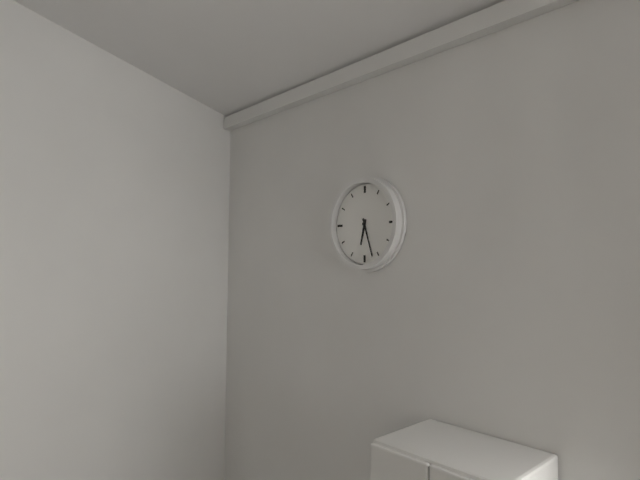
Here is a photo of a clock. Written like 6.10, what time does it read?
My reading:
6.27
